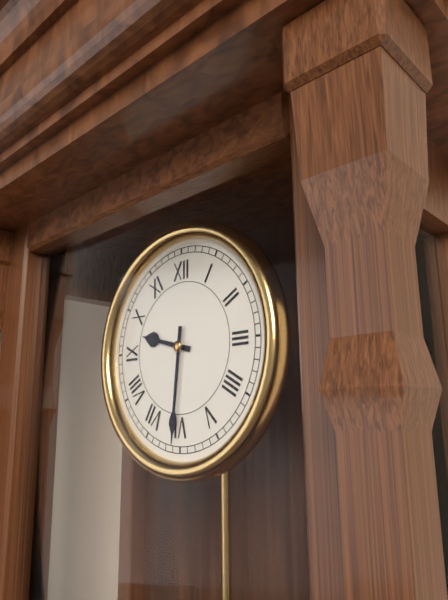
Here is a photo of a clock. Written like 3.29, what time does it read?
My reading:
9.31
